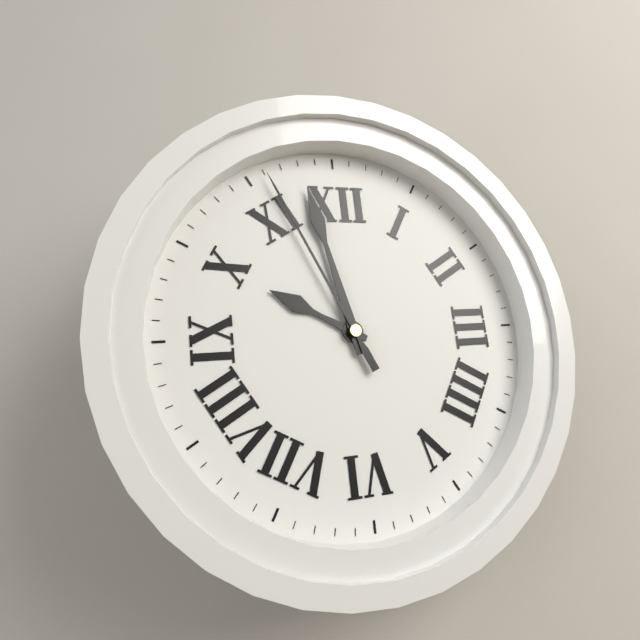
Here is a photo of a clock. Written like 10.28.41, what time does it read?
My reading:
9.58.56
